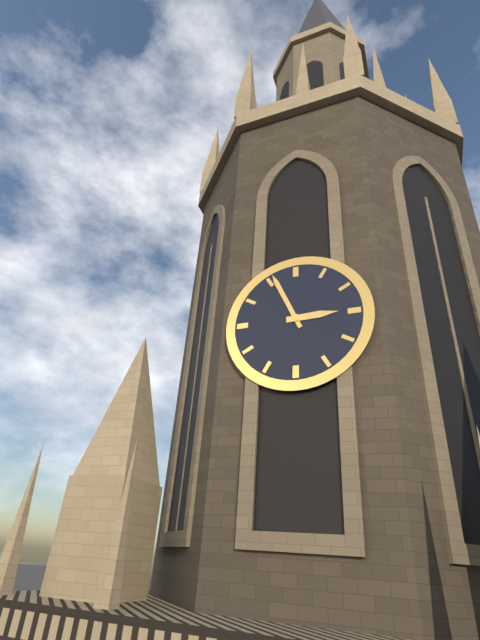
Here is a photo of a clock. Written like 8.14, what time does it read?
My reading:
2.56
